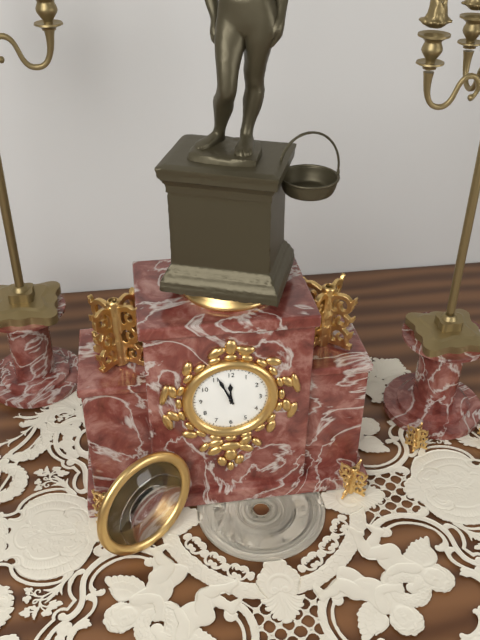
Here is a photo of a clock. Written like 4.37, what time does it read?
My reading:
11.56
